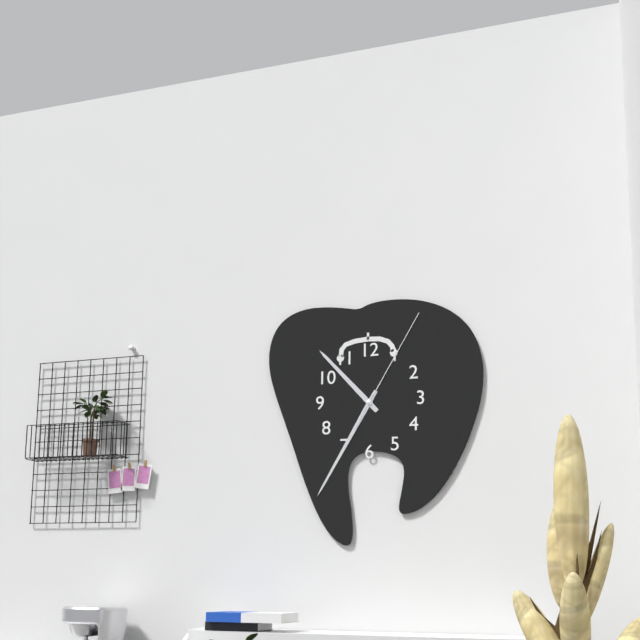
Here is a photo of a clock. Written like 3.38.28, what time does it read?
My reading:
10.35.05
